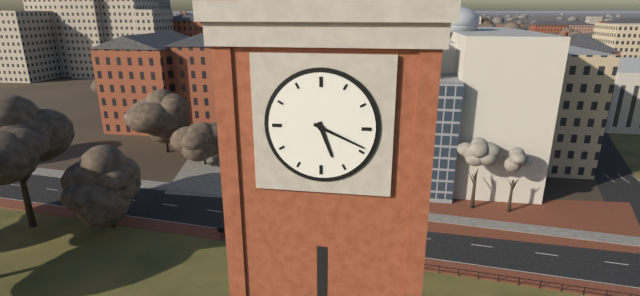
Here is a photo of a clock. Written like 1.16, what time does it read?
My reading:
5.19
